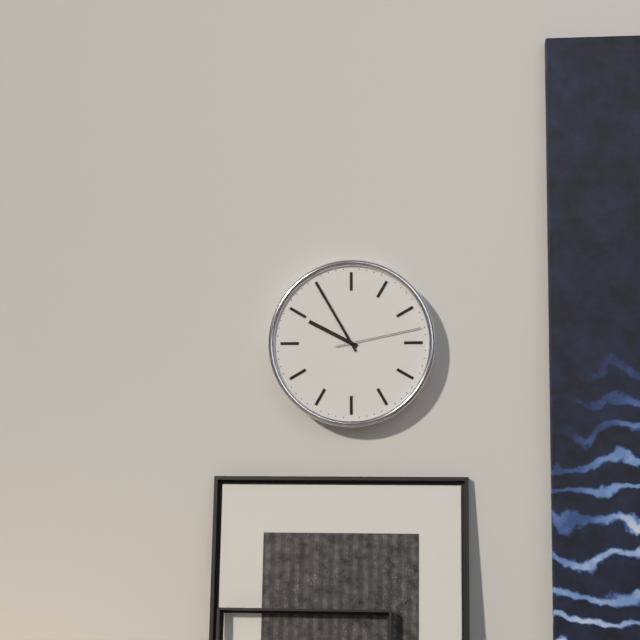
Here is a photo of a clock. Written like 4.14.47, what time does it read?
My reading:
9.55.13
